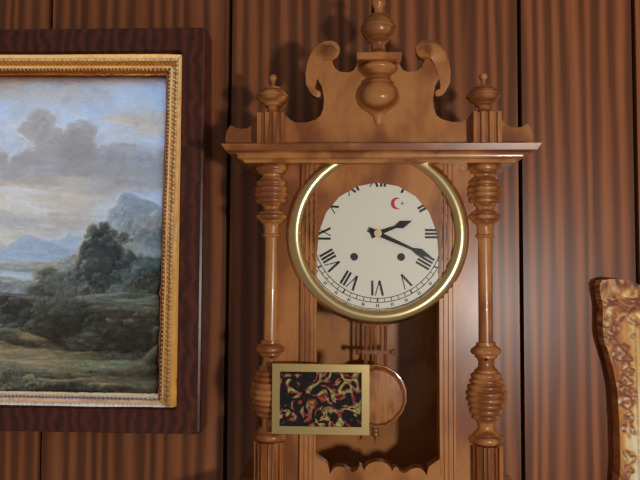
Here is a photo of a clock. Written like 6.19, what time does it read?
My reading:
2.19
